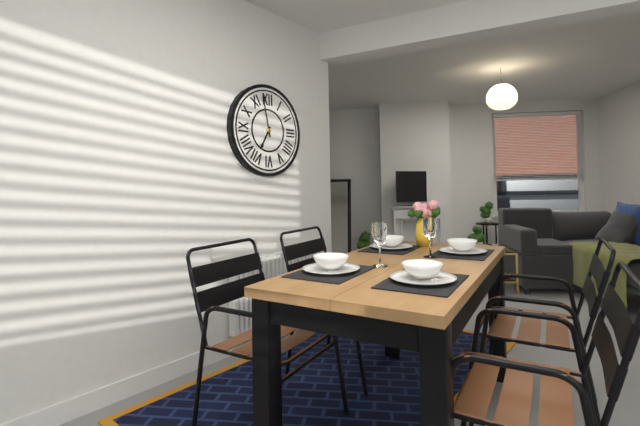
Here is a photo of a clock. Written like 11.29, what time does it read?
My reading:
6.58
